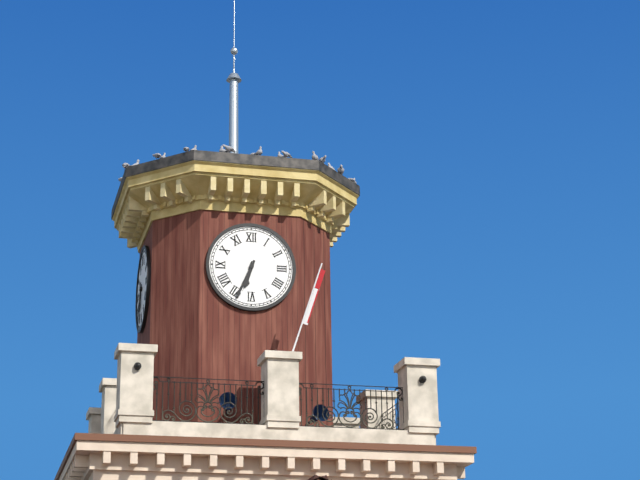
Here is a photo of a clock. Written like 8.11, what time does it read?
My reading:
6.34
